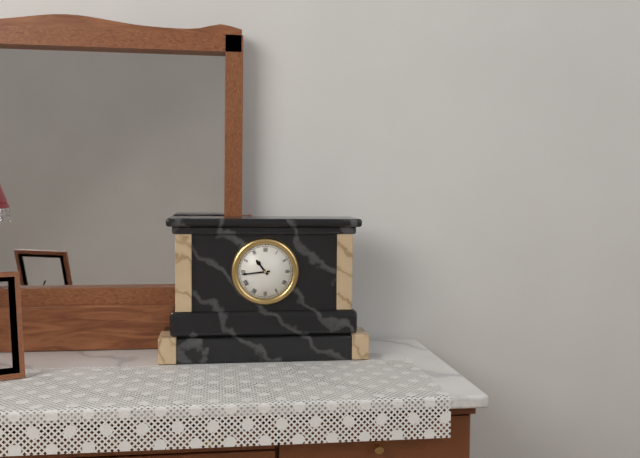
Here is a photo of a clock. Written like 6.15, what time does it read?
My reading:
10.44
